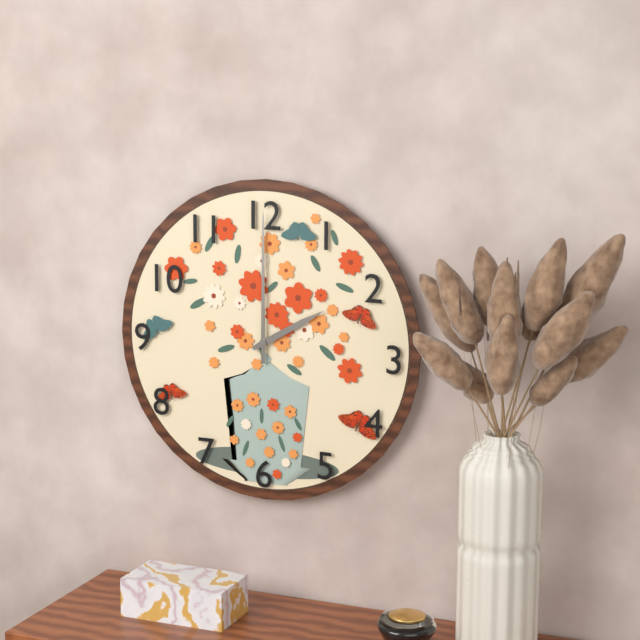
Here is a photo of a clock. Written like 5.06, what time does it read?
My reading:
2.00
